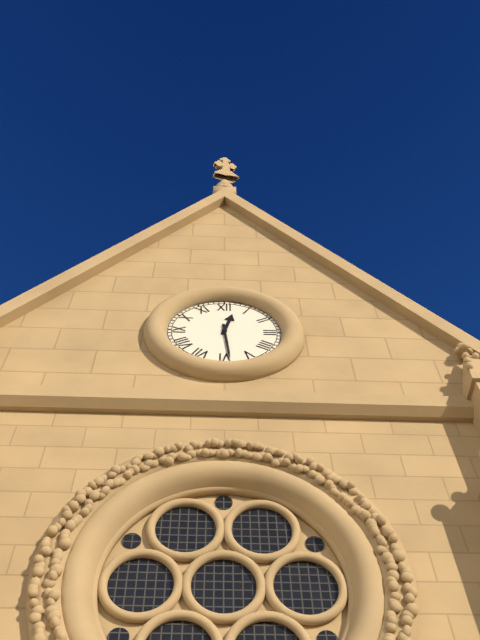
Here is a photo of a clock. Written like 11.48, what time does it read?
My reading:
12.29
